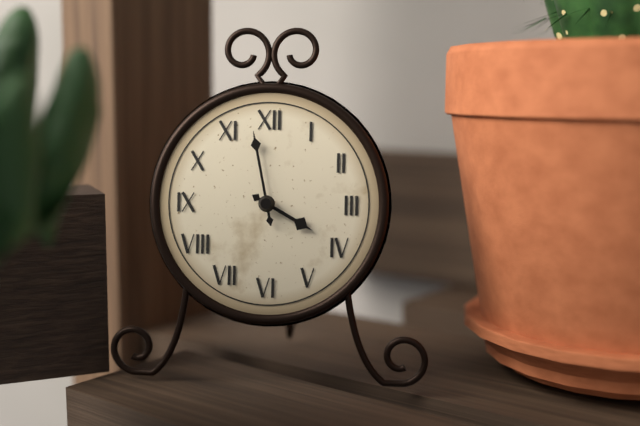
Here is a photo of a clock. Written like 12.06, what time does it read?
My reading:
3.58
